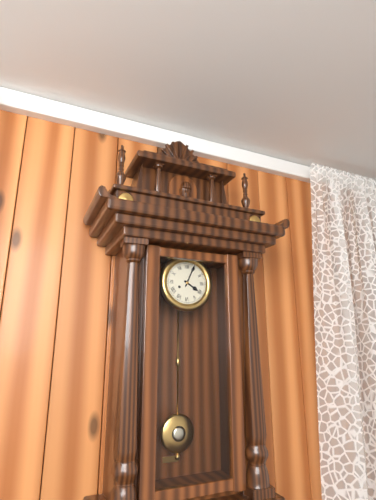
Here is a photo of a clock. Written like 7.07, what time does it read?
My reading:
4.04
